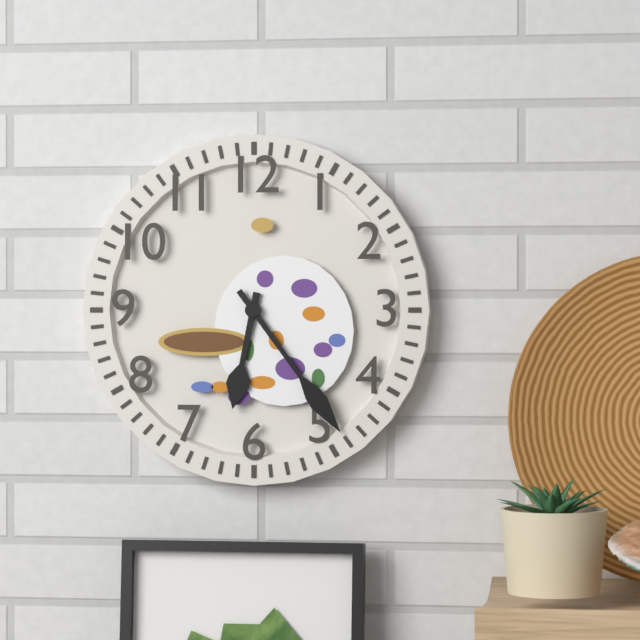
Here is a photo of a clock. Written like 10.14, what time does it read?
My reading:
6.24
